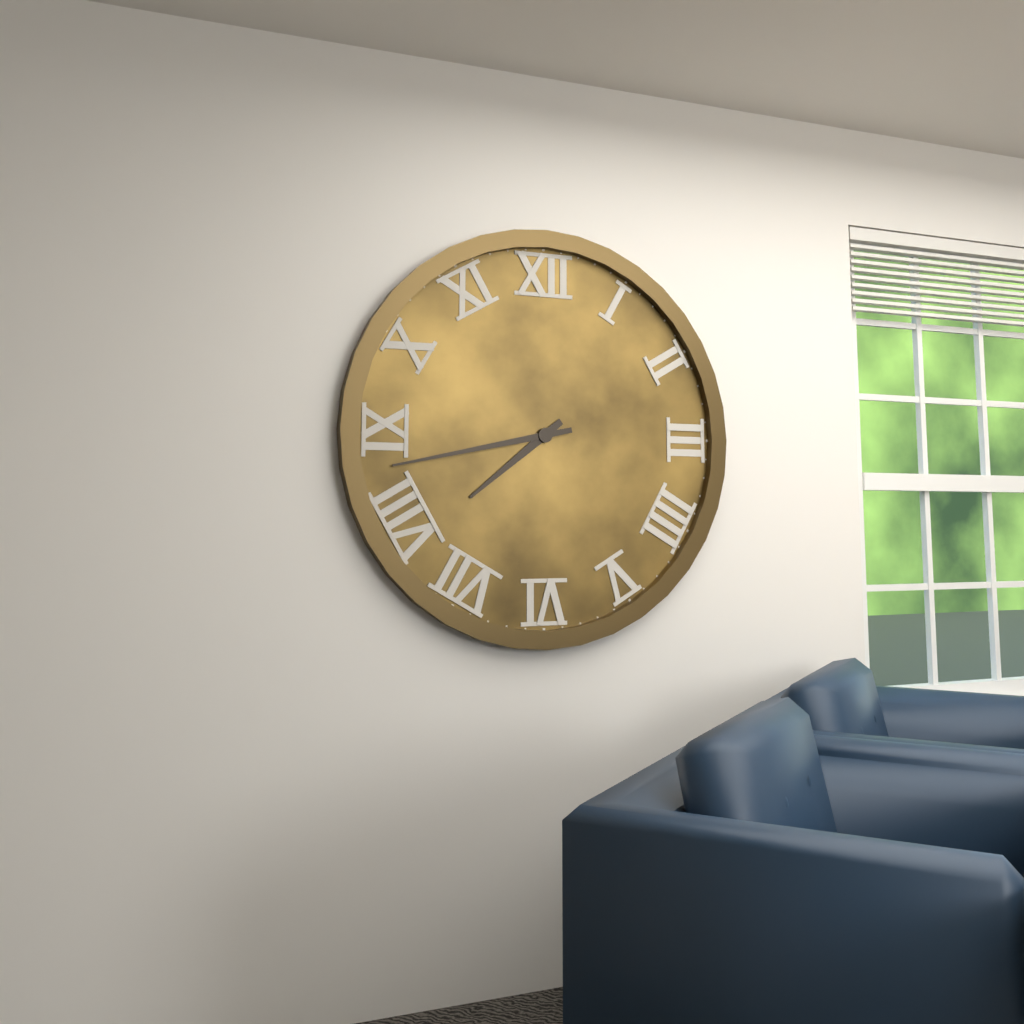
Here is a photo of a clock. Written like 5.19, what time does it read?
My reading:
7.43
